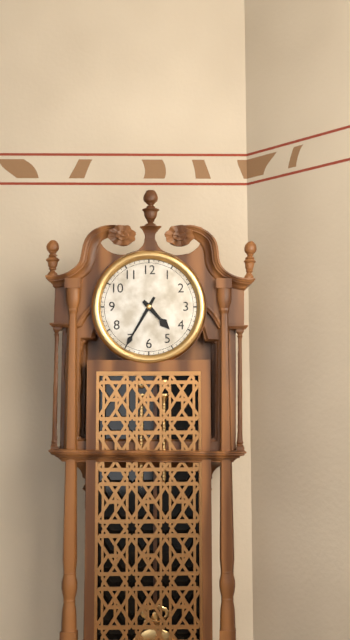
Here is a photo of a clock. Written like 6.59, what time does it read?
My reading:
4.35
